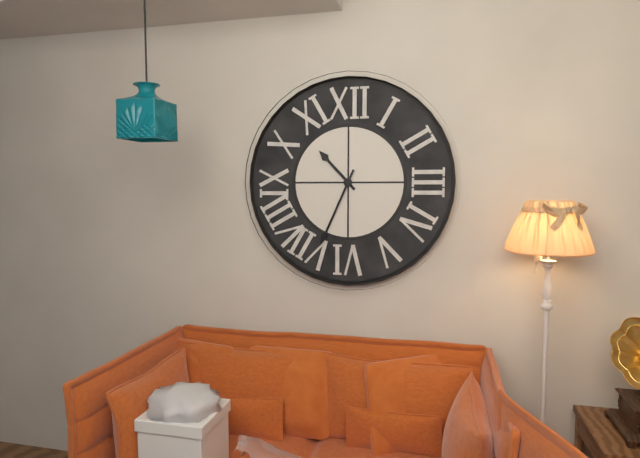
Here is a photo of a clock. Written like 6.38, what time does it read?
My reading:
10.34
